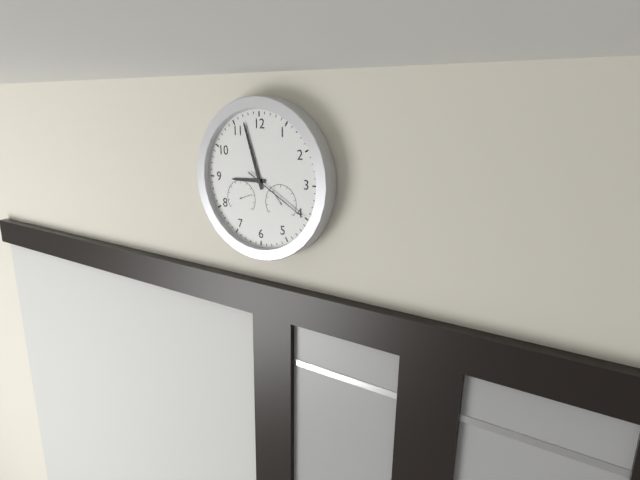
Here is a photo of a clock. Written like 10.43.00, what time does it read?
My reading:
8.57.20
